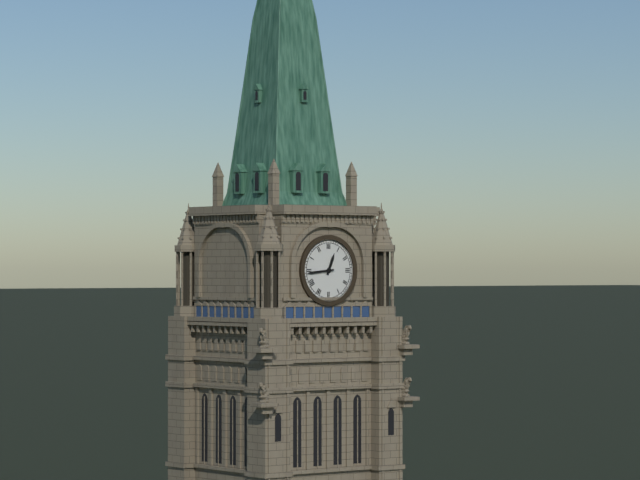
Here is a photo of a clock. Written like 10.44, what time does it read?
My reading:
12.44
